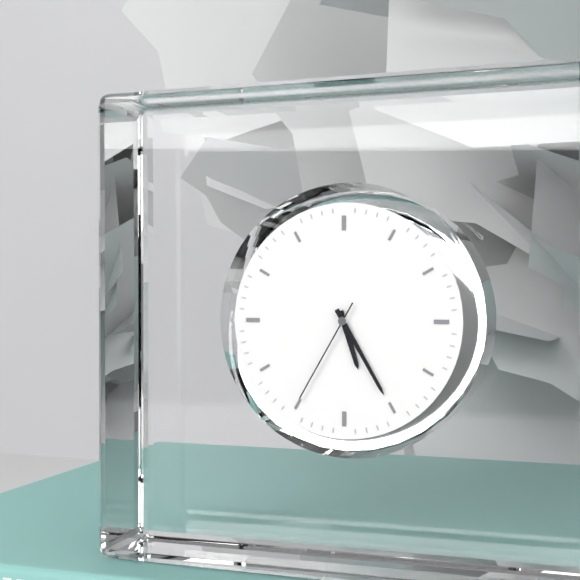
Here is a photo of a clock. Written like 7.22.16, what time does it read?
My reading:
5.25.35
